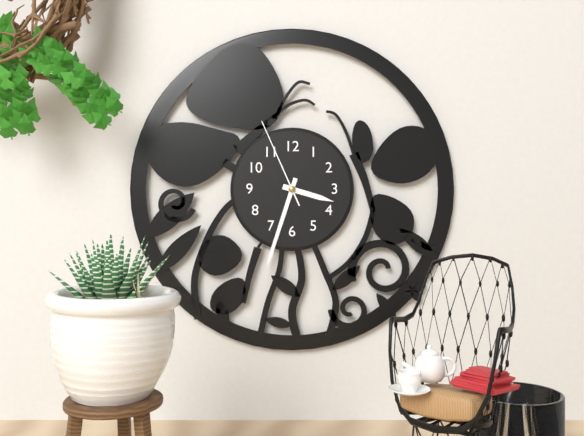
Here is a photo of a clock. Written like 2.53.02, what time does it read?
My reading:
3.33.56
